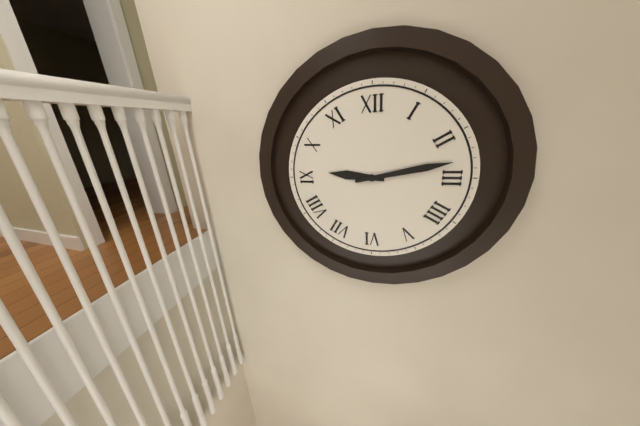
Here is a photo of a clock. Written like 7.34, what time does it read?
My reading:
9.13
